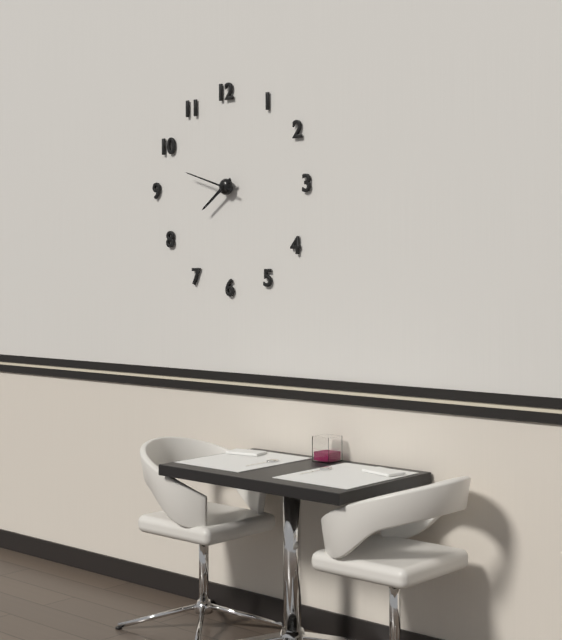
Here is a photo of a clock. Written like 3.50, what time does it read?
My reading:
7.48
